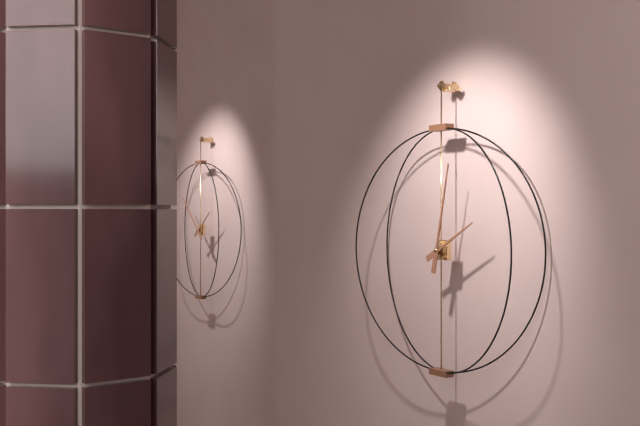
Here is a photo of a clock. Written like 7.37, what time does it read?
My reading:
2.02
